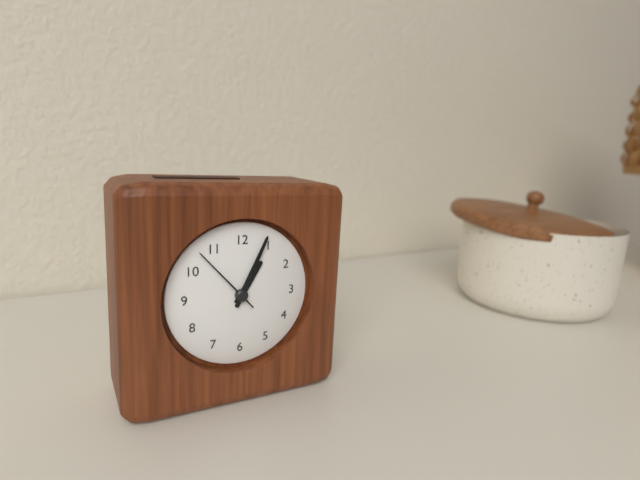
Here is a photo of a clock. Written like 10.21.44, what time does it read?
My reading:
1.04.53
